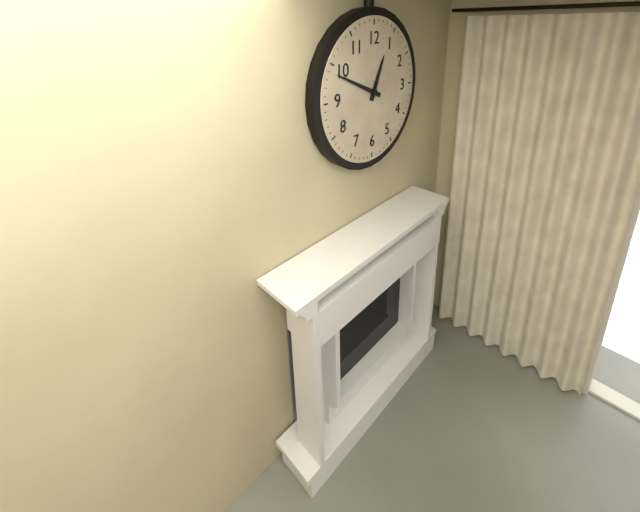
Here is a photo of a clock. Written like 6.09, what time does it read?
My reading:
12.49
